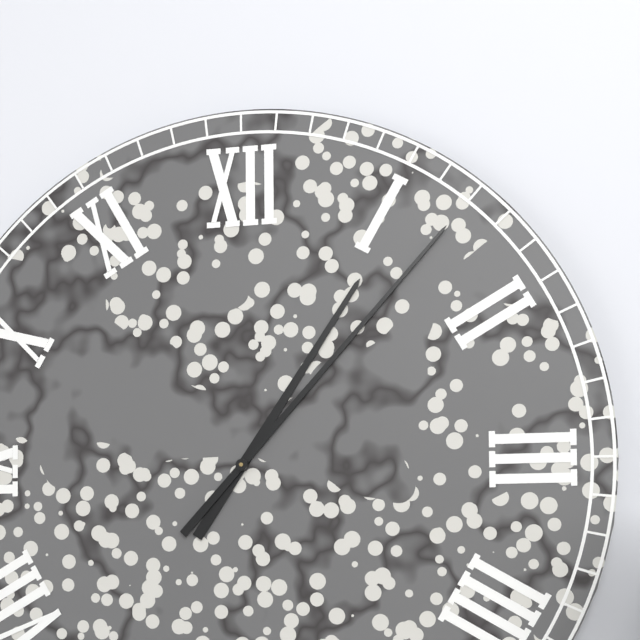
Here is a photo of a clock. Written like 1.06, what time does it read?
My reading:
1.07
